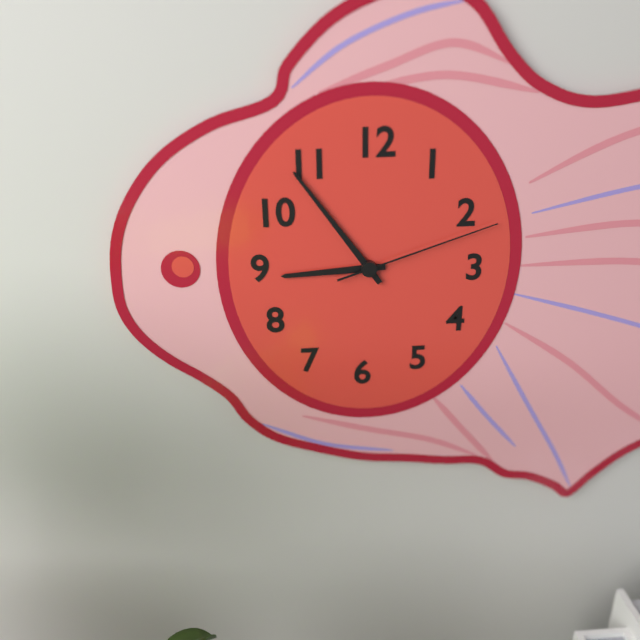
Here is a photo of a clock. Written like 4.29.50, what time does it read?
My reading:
8.54.12
